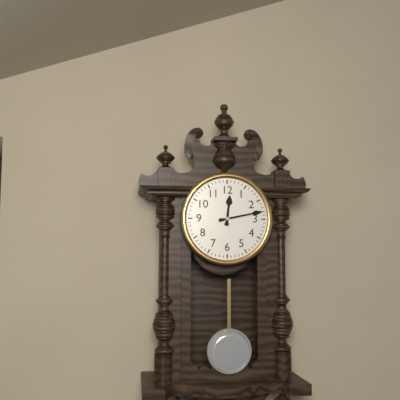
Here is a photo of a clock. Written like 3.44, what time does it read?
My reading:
12.13
